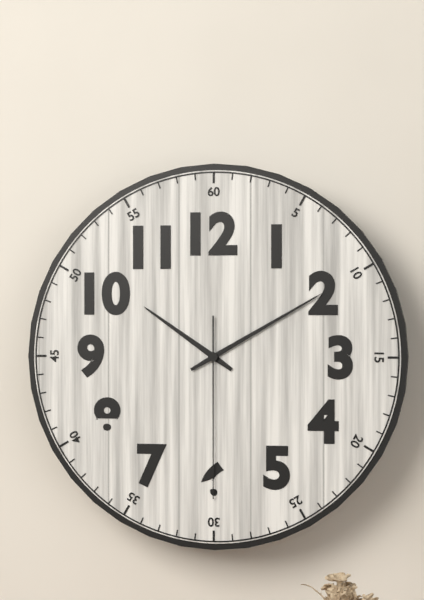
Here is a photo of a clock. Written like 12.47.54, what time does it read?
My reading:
10.10.30
